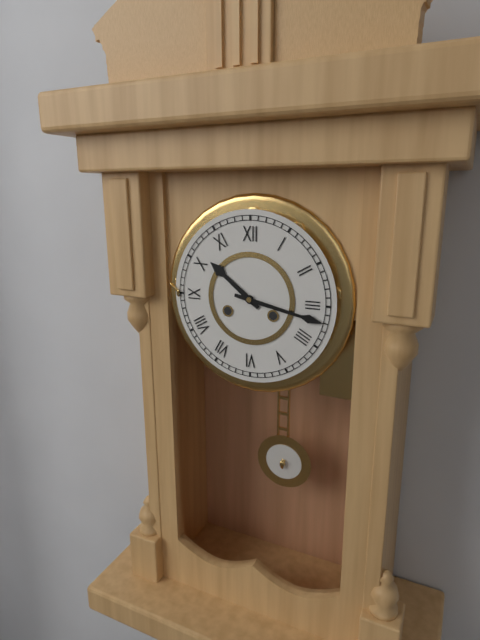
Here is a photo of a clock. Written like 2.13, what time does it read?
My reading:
10.17
